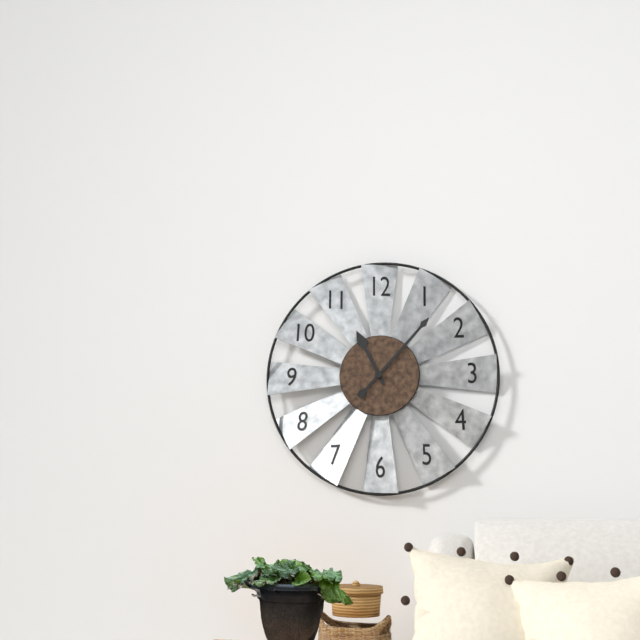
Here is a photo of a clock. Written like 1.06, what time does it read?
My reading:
11.07
